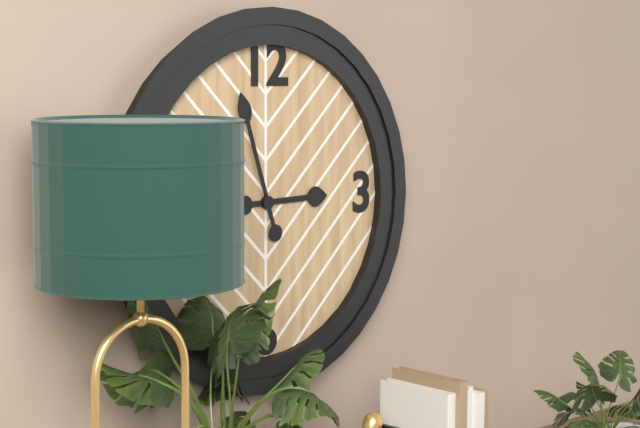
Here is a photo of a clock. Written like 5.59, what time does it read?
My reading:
2.57
